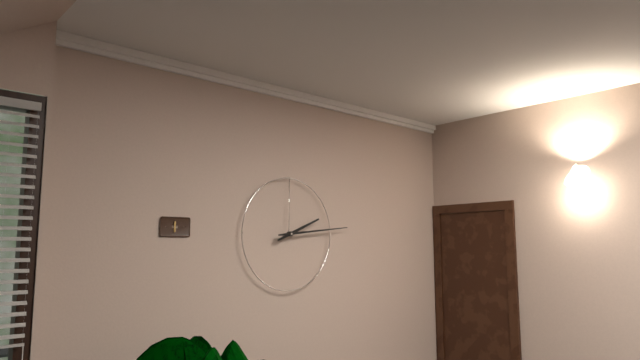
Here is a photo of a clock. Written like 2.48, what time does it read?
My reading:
2.14
